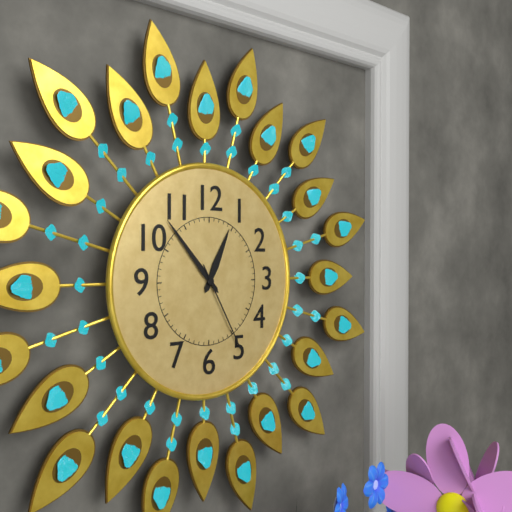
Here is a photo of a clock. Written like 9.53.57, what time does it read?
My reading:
12.53.25
